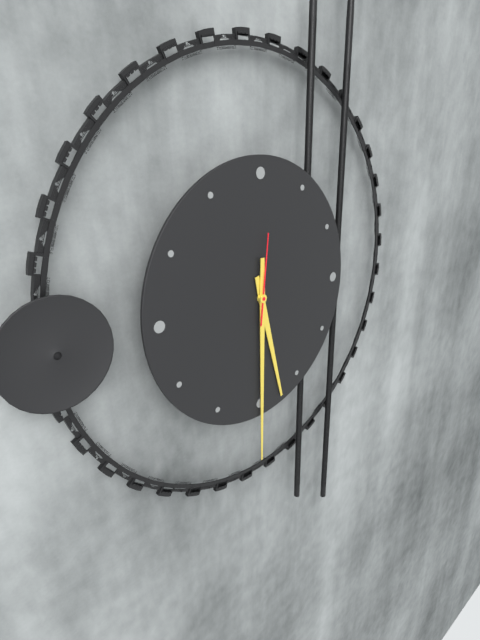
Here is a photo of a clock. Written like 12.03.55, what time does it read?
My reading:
5.30.01
